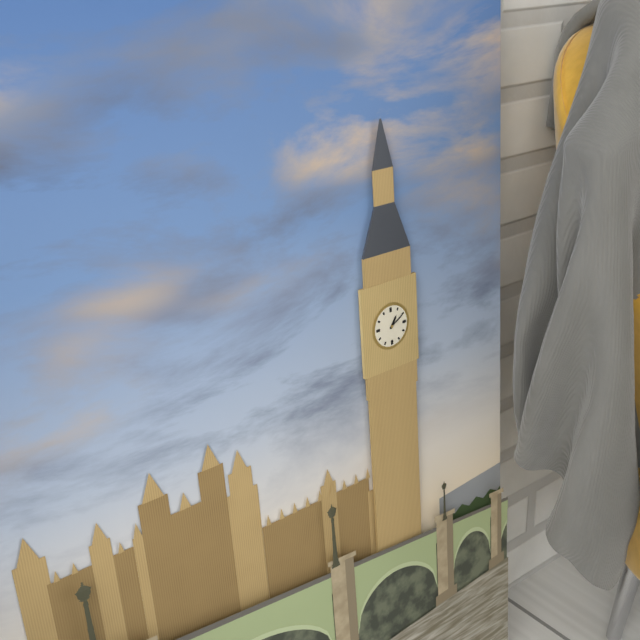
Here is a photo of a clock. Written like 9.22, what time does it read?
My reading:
1.10
